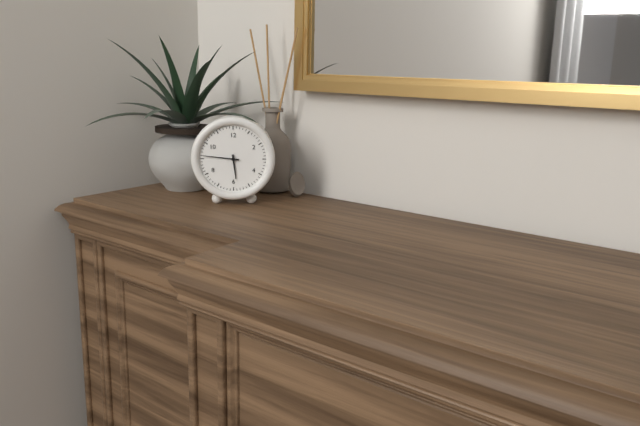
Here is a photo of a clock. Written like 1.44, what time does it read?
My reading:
5.46
